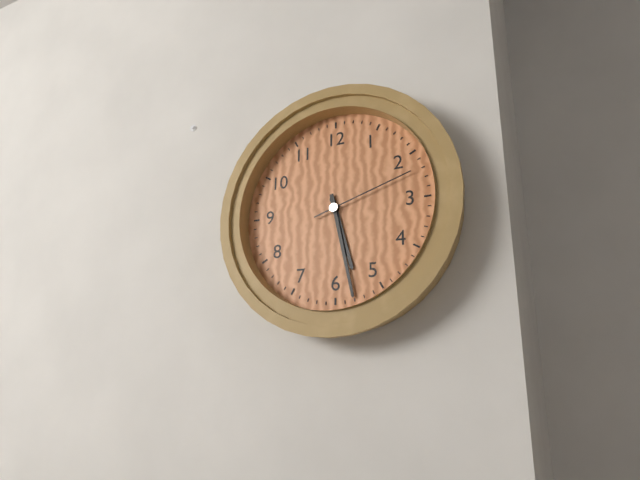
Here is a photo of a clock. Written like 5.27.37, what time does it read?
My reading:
5.28.12
